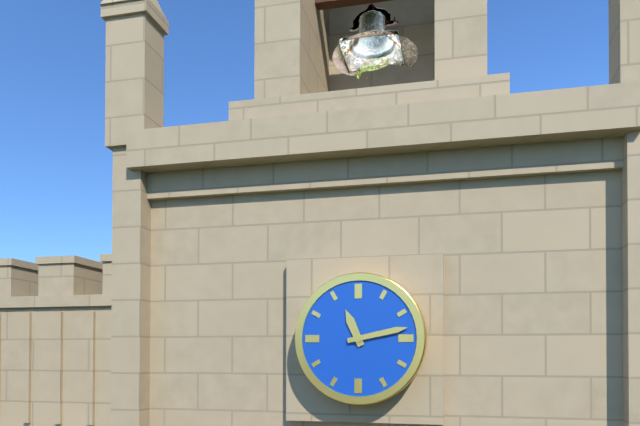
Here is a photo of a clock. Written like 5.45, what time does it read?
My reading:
11.13
